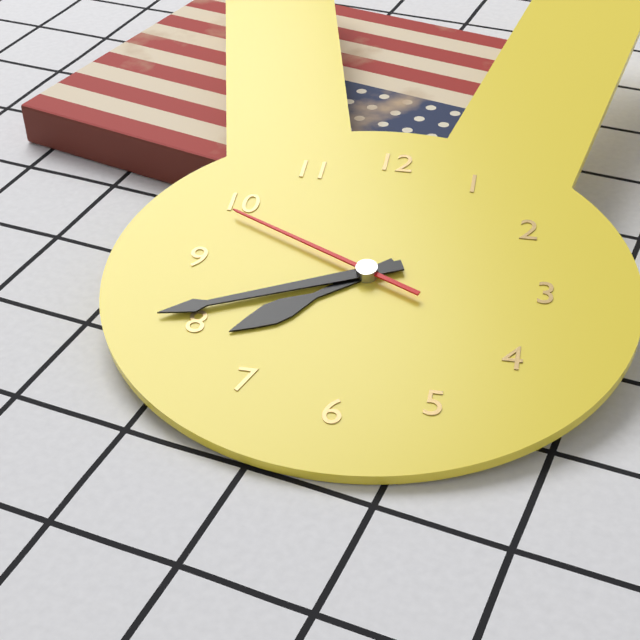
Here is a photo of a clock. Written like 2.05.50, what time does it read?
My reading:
7.41.49
